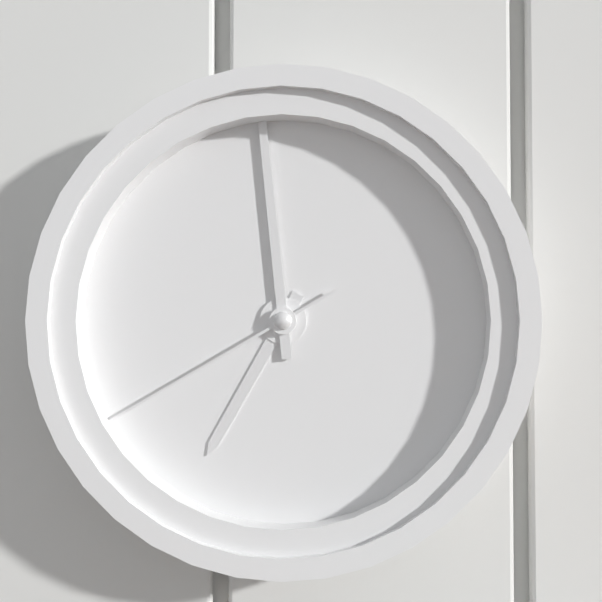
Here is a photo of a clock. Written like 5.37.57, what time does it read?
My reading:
6.59.40
